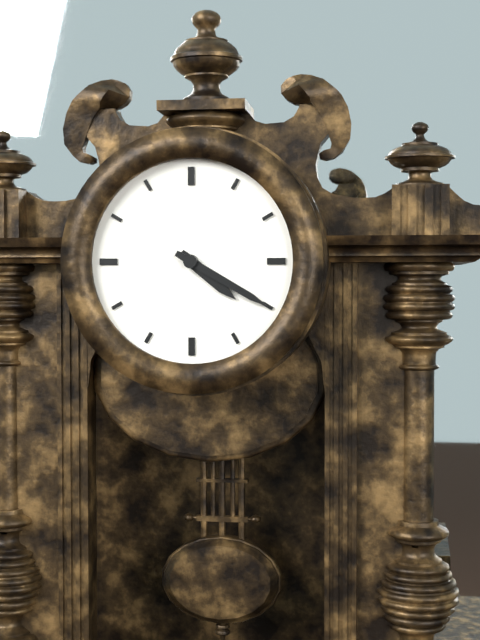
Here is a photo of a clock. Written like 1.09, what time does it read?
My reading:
4.20
